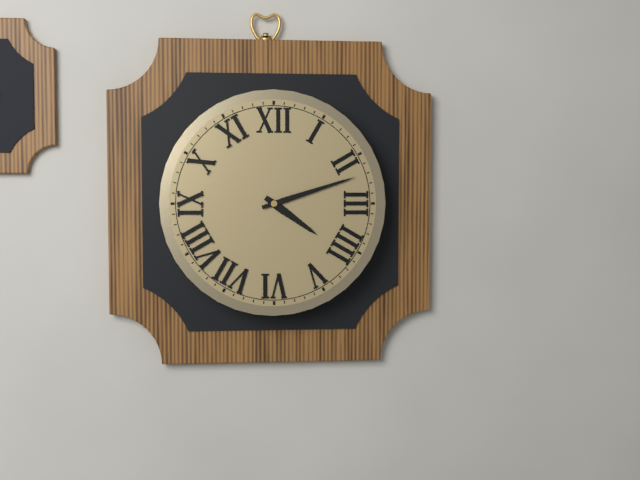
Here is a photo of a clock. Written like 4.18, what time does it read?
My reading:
4.12
